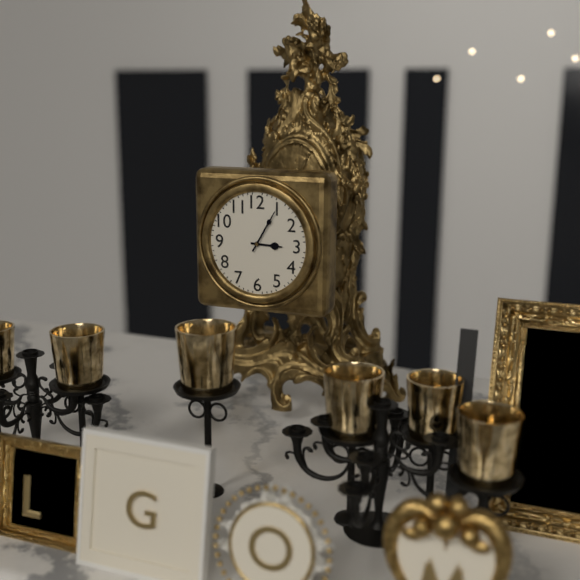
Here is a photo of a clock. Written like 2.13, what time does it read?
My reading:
3.05
